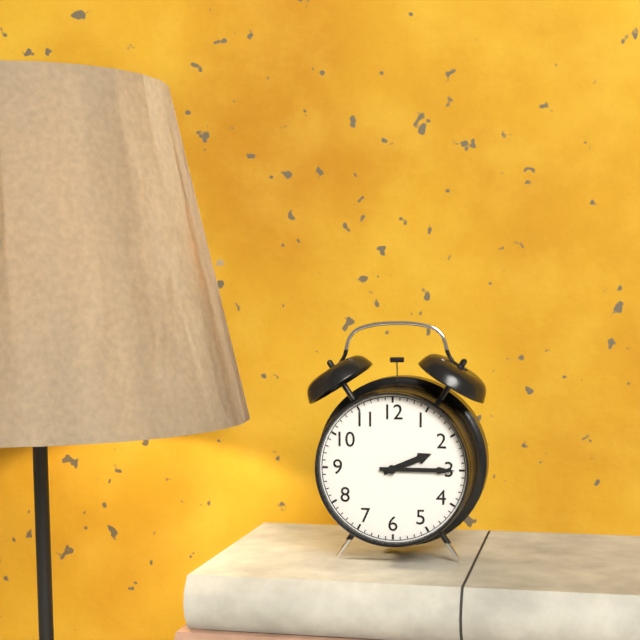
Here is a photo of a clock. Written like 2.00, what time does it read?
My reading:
2.15
